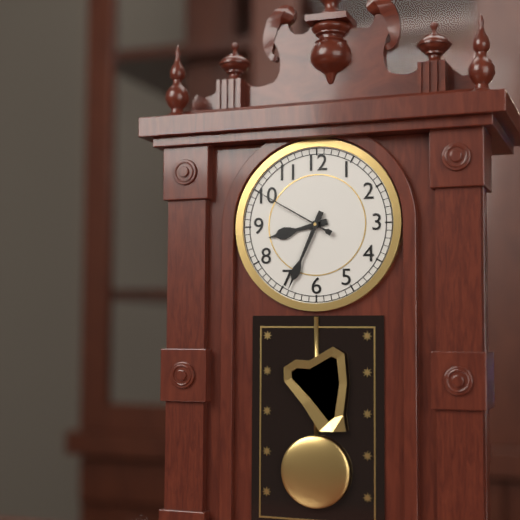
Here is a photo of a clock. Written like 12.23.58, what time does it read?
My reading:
8.34.50
